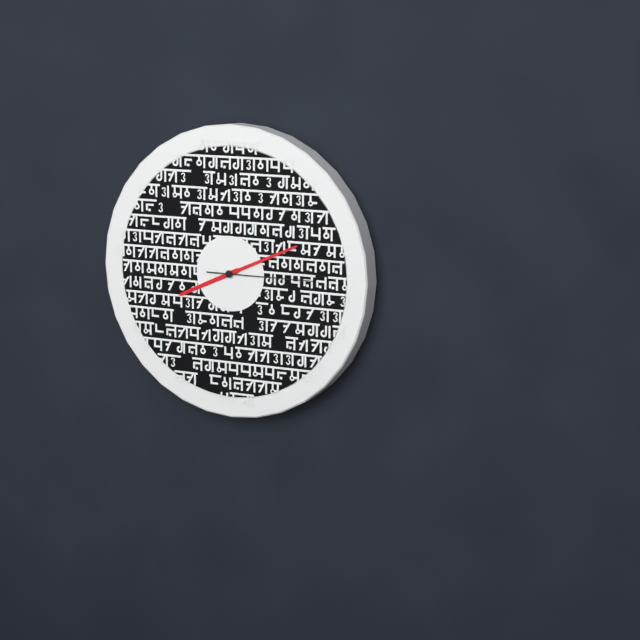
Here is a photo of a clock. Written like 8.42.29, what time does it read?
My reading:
8.11.15
